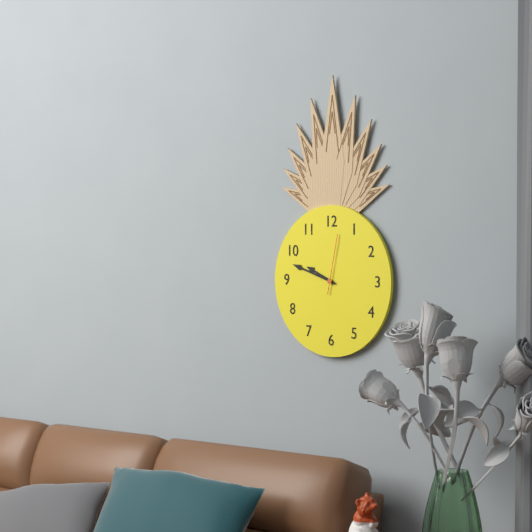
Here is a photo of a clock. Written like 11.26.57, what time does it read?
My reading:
9.48.02
